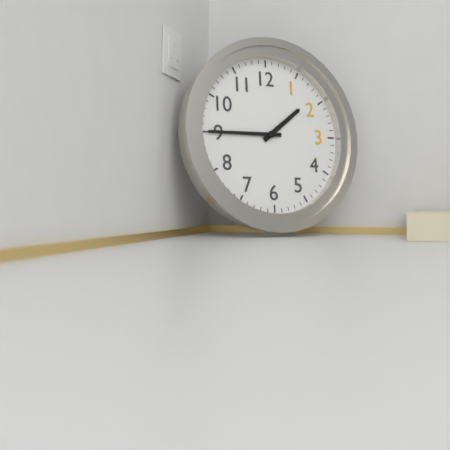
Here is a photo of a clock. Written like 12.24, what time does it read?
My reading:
1.45
